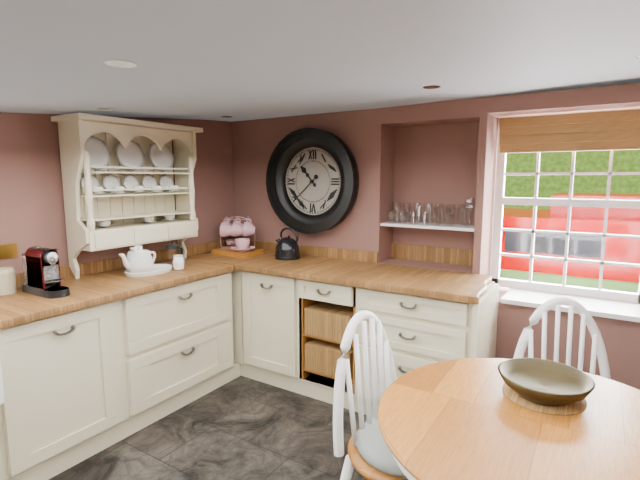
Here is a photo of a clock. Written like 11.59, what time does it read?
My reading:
10.38
